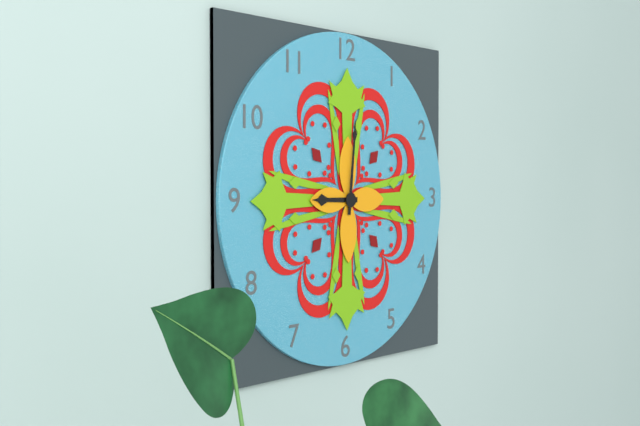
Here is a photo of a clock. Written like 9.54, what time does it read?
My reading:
9.01
